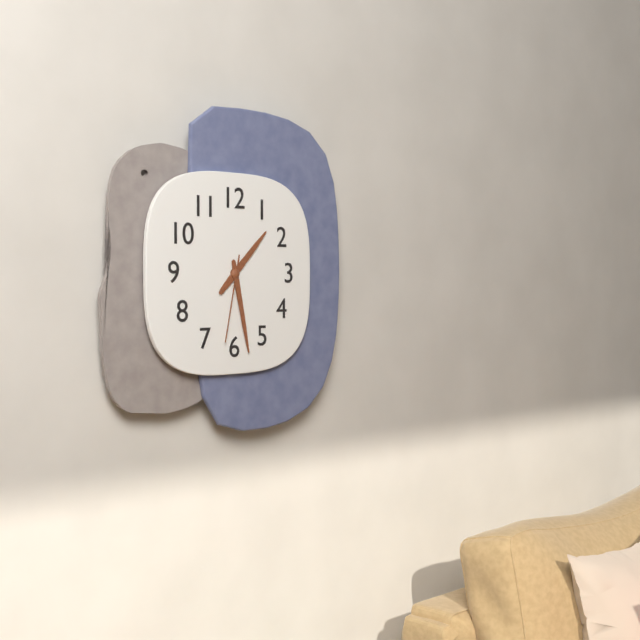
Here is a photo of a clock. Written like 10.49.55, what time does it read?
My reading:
1.28.32
